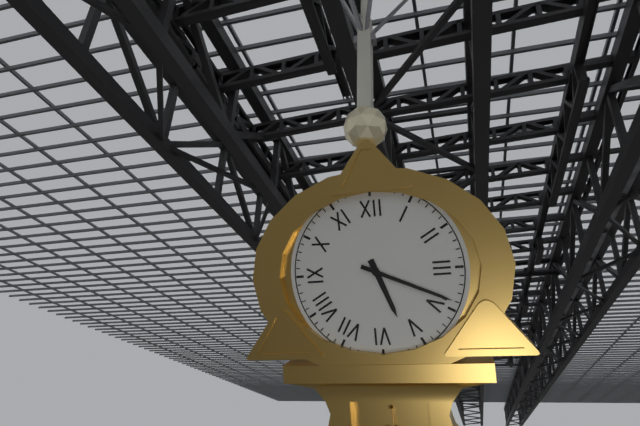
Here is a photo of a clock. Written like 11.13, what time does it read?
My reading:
5.19
